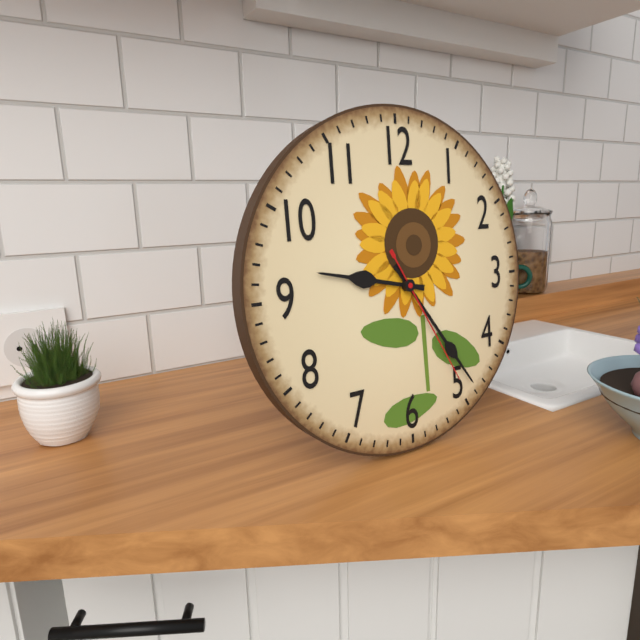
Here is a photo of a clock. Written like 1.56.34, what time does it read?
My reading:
9.24.25
